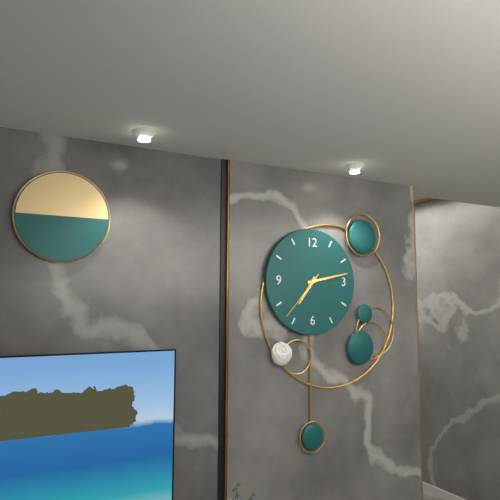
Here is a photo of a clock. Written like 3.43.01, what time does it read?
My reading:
7.13.37
